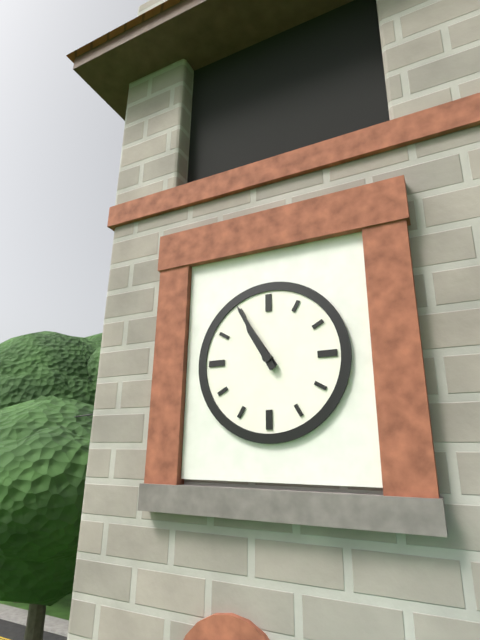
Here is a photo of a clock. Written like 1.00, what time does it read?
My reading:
10.55
